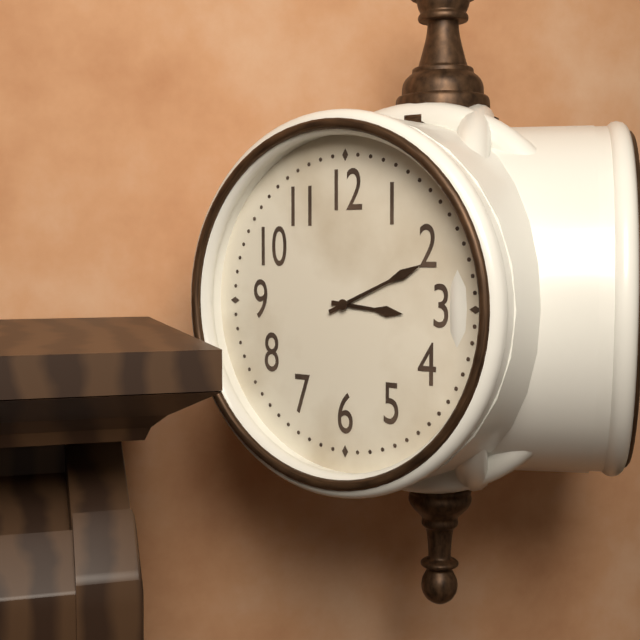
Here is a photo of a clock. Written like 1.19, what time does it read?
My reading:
3.11
